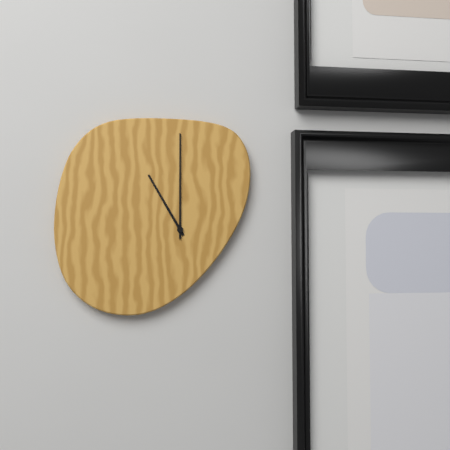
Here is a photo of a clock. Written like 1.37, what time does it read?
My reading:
11.00
